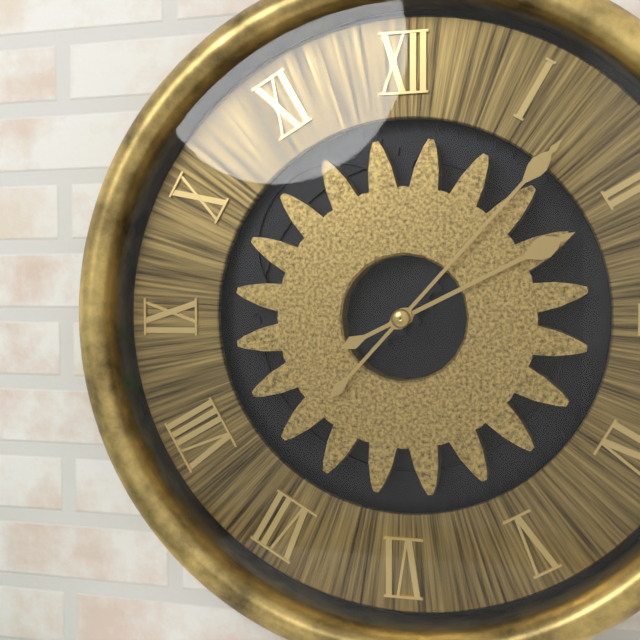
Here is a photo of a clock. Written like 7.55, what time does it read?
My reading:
2.07
